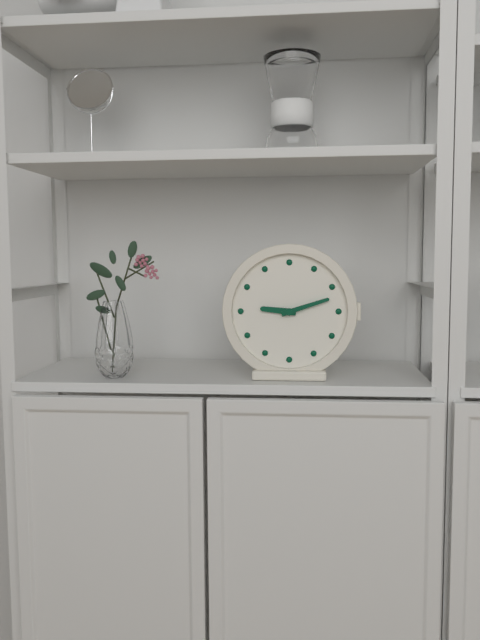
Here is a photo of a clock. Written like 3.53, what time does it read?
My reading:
9.12
